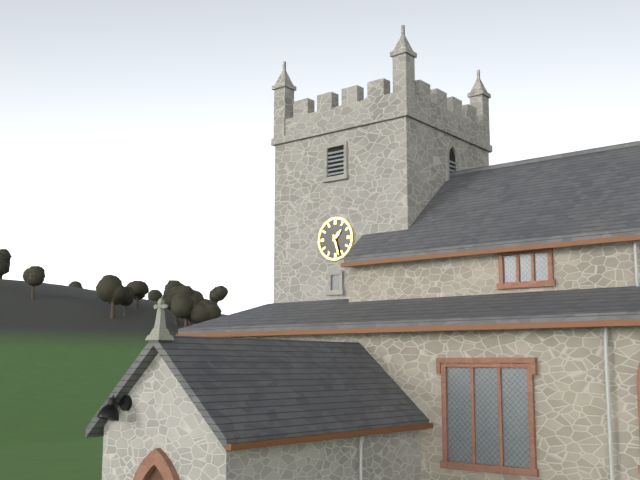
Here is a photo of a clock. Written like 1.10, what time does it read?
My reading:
1.27
